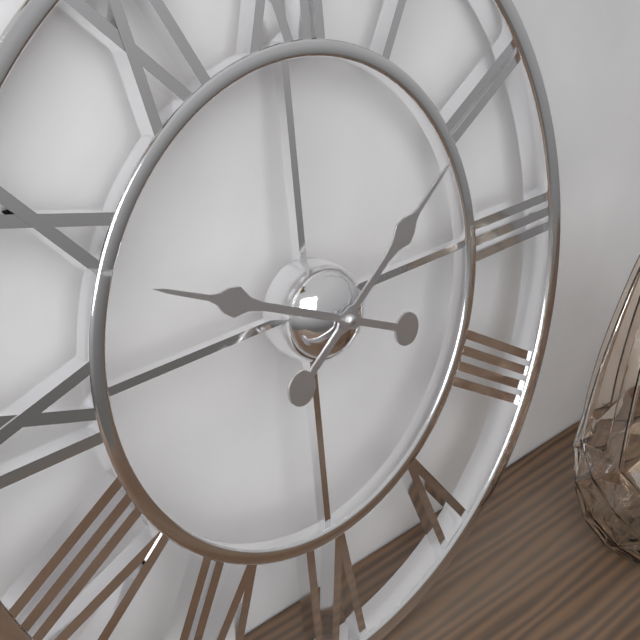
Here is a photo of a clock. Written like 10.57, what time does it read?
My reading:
1.49
